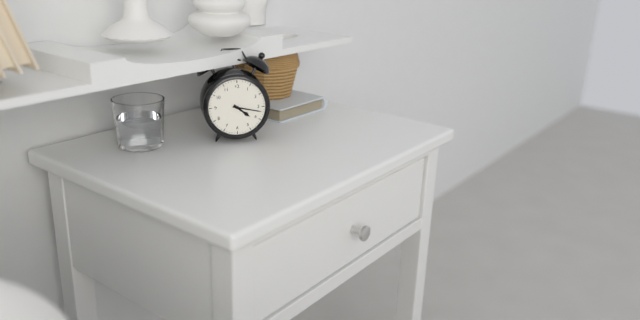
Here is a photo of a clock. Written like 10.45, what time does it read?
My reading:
4.17
